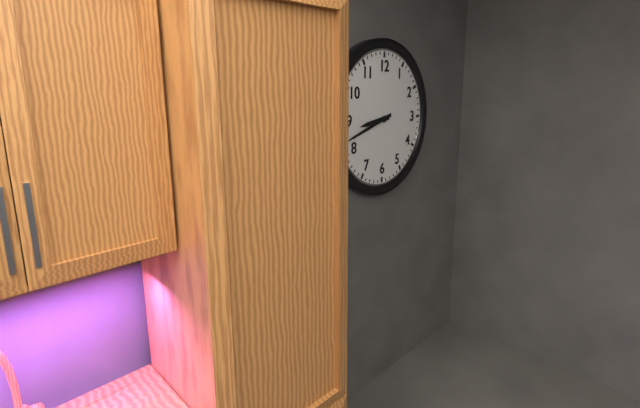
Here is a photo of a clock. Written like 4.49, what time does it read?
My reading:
8.42
